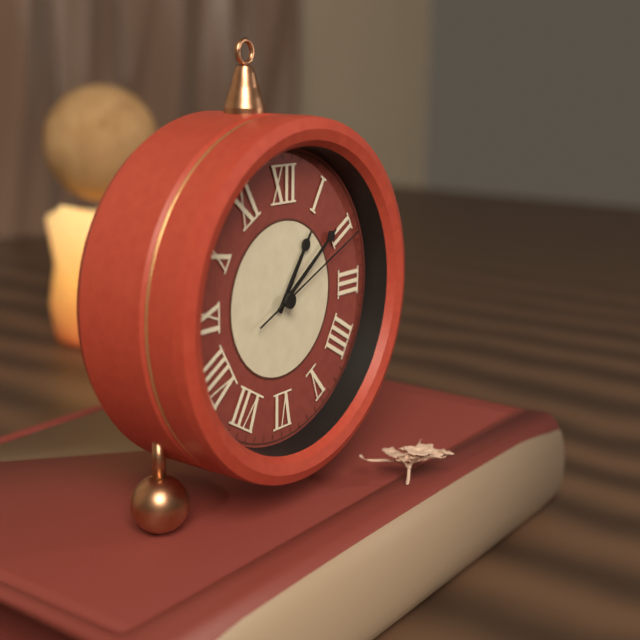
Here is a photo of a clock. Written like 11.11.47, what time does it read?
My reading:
1.09.11
